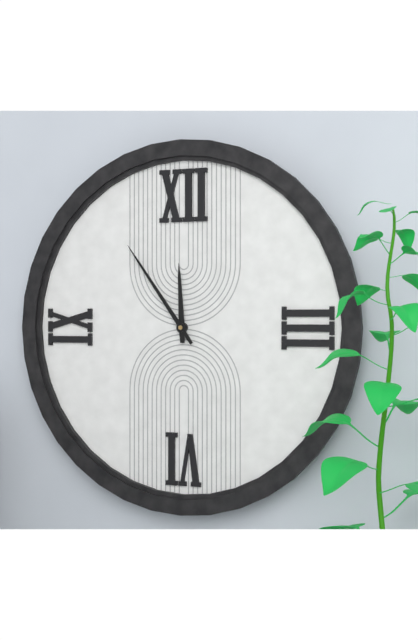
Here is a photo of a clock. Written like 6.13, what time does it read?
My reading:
11.54
